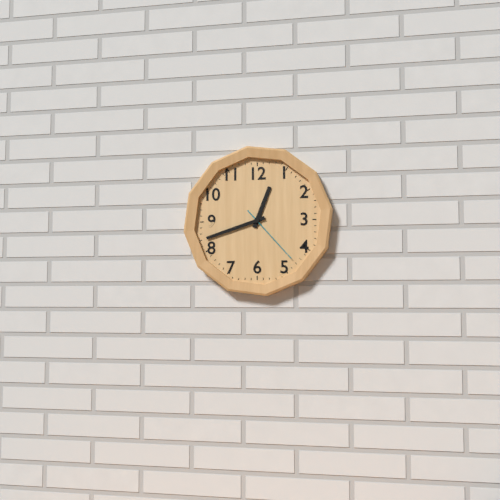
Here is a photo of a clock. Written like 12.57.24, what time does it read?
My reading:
12.42.23
